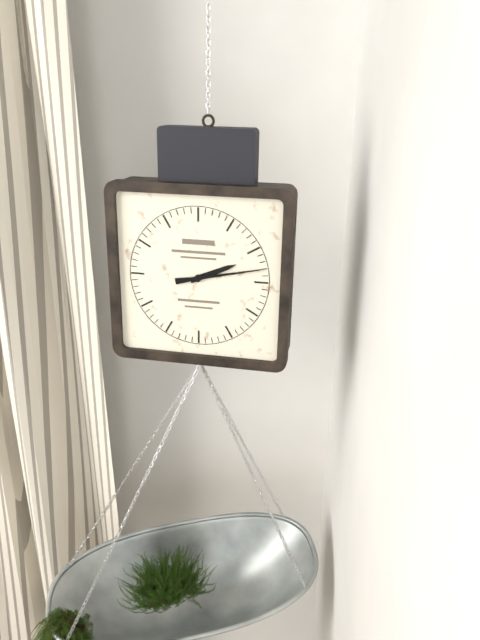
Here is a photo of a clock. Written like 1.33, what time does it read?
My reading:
2.13
